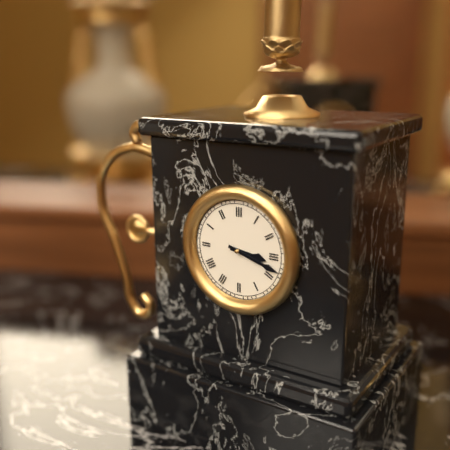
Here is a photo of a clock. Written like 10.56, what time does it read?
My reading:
3.18
